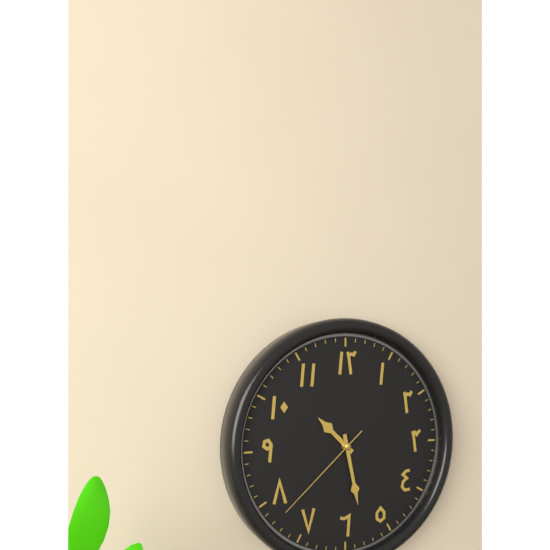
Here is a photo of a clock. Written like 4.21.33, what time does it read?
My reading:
10.28.38
